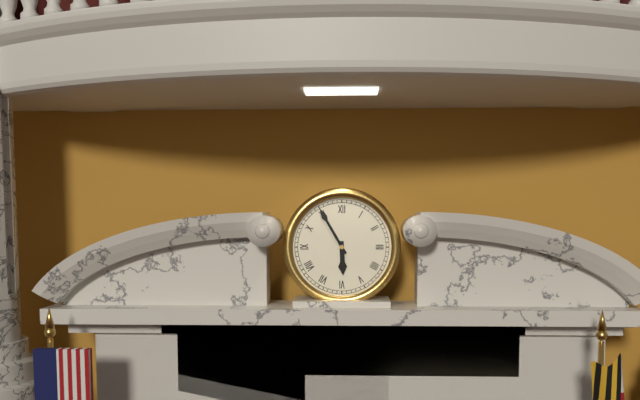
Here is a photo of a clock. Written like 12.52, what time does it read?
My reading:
5.55
